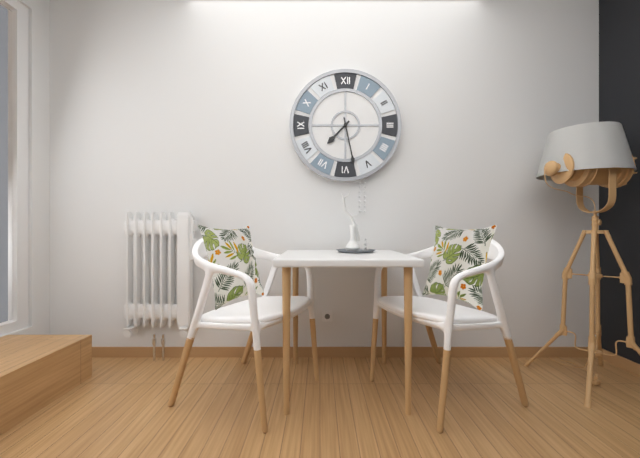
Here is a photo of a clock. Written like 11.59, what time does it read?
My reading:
7.28
